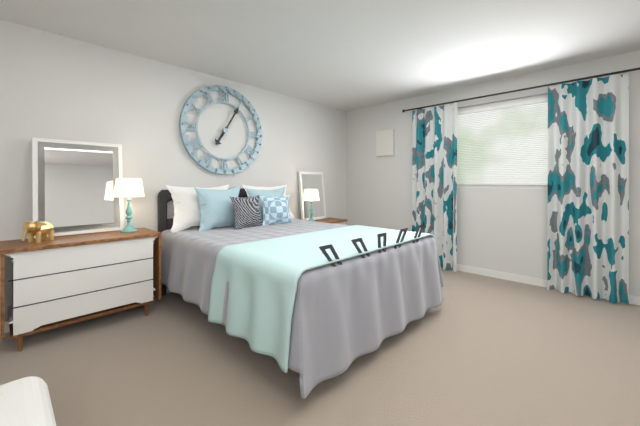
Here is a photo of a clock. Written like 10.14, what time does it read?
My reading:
7.05
